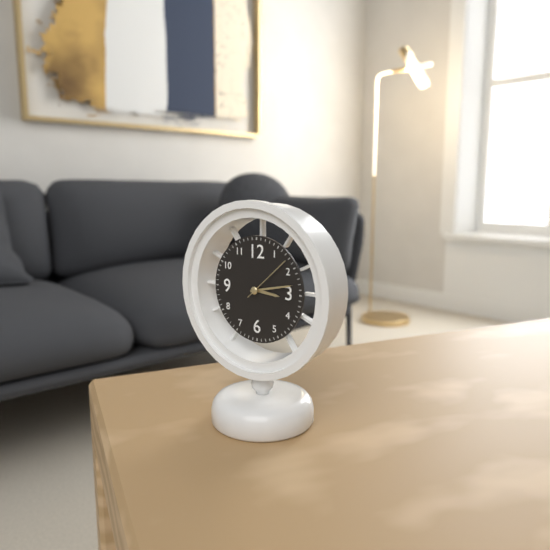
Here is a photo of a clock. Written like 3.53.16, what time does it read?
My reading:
3.13.08
